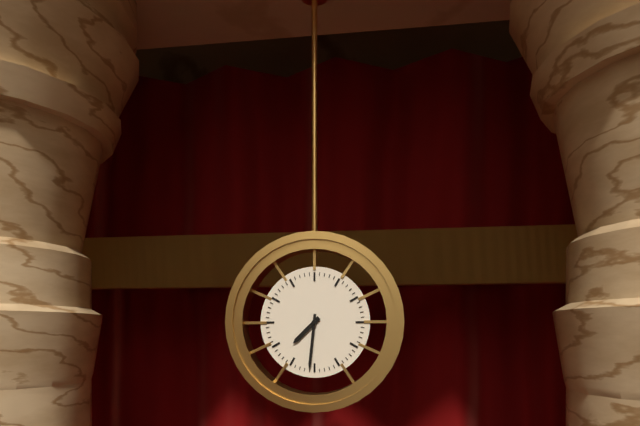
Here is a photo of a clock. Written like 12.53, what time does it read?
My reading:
7.31
